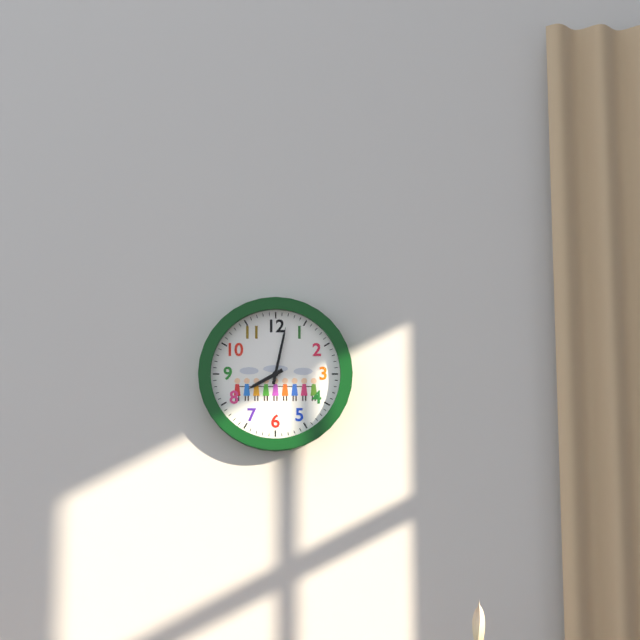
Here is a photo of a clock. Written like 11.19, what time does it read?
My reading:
8.02
